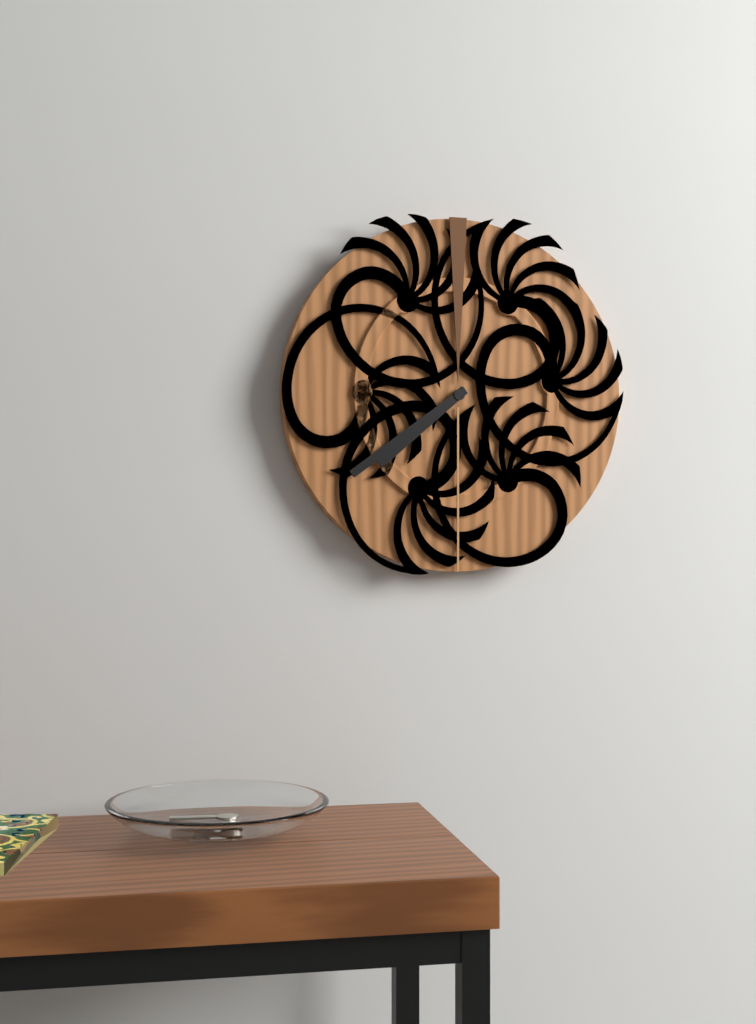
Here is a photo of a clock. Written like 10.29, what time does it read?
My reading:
7.39
